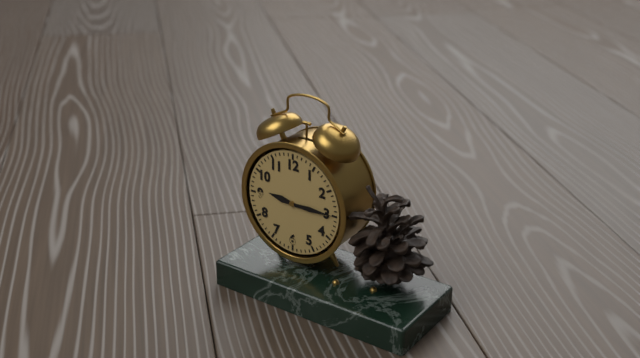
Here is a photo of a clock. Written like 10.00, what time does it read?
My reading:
9.15
